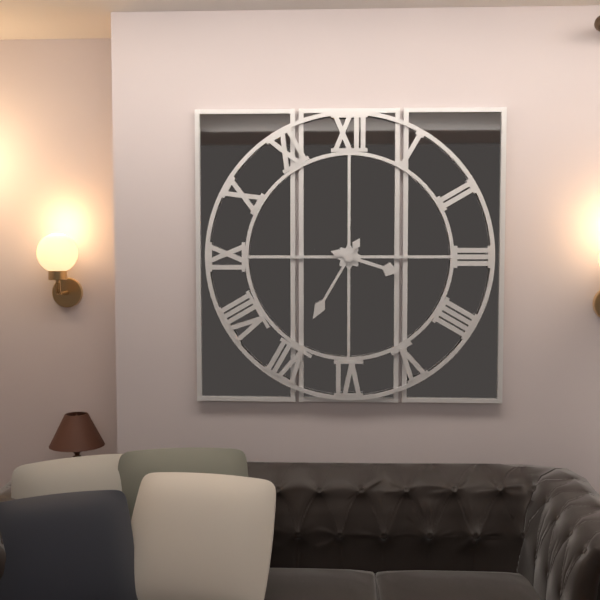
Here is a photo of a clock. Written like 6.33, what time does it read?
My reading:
3.35
